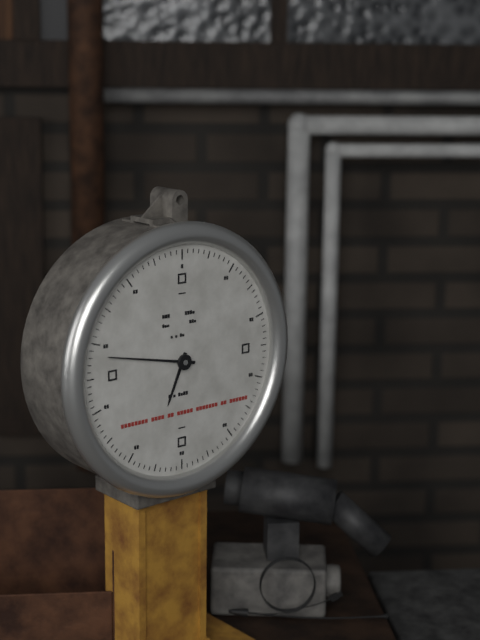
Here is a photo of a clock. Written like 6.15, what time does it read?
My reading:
6.47
